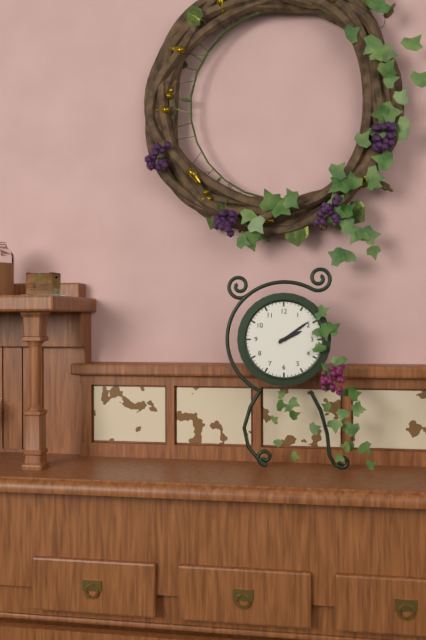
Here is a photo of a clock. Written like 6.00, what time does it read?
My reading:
2.09
